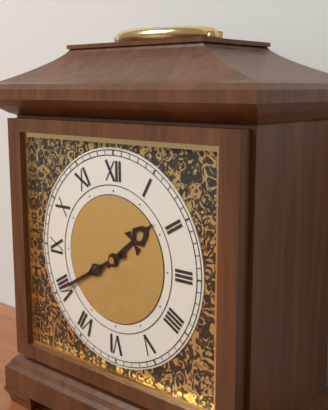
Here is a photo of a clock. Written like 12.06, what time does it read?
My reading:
1.40
